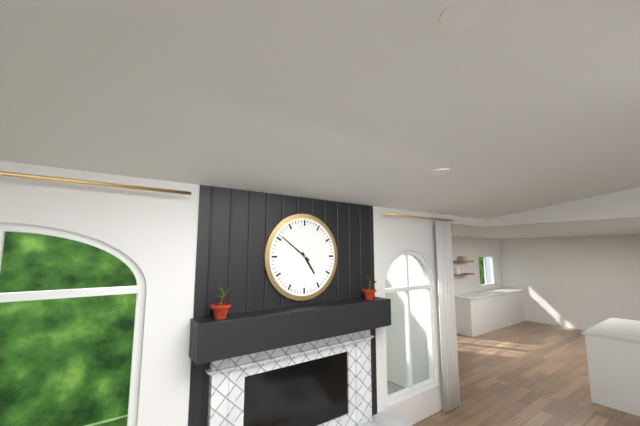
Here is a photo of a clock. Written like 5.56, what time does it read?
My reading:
4.51
